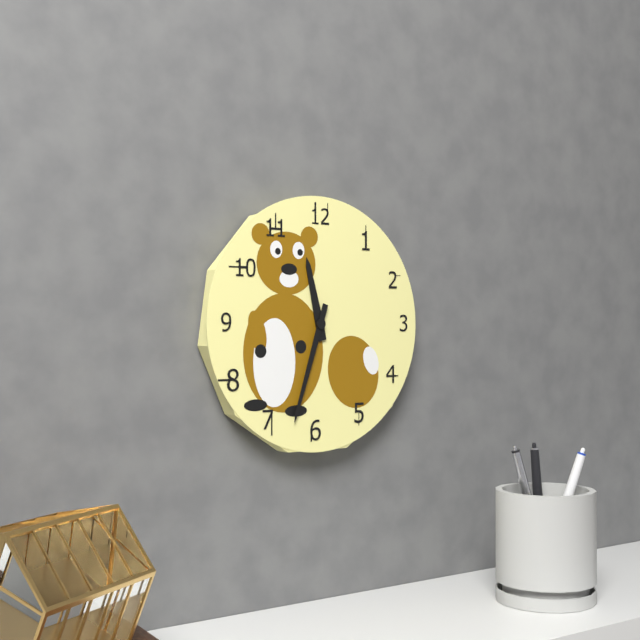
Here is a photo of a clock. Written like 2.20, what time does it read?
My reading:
11.33
